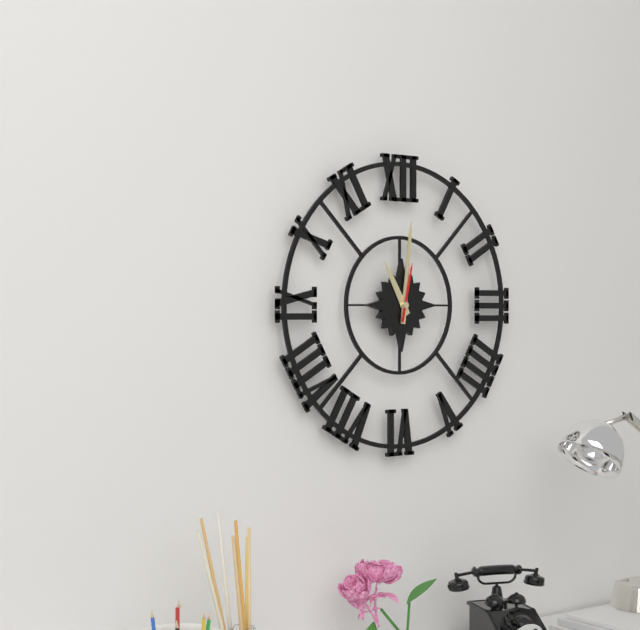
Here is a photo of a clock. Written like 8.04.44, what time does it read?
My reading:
11.01.02
